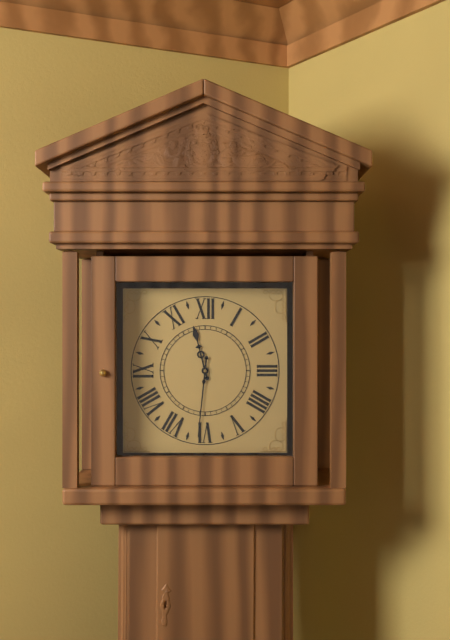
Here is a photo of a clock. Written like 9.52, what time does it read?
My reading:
11.31
